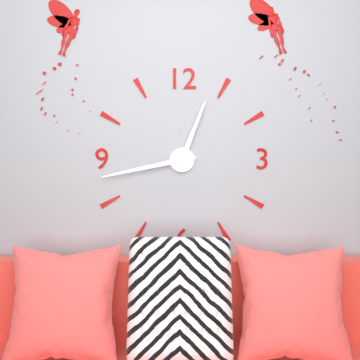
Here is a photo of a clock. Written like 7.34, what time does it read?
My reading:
12.43
